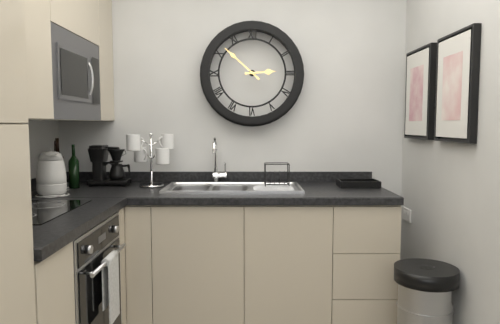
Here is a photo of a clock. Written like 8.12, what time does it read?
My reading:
2.52
